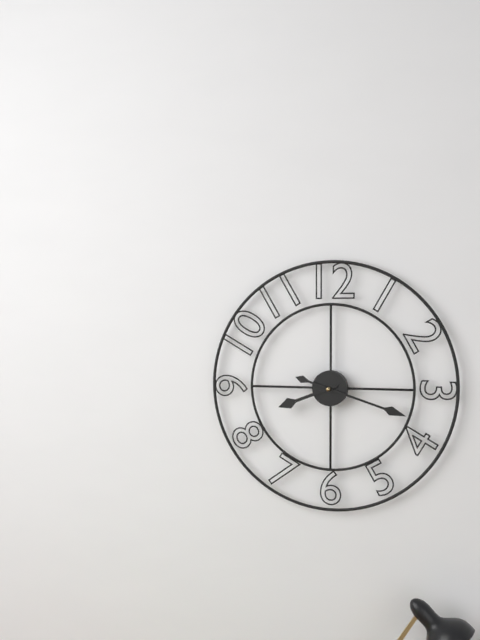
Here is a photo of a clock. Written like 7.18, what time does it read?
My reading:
8.18
